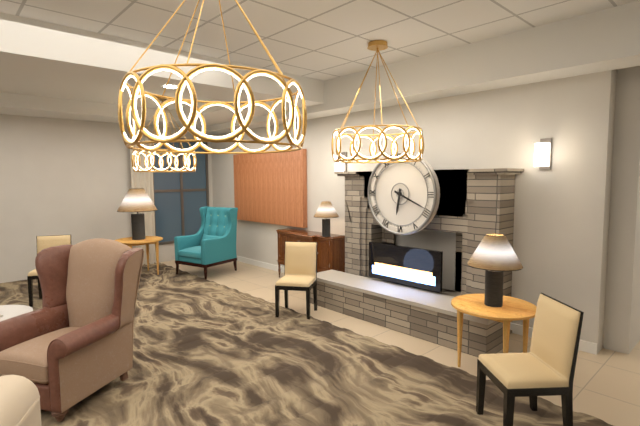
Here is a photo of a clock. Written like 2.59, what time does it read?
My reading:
6.19
